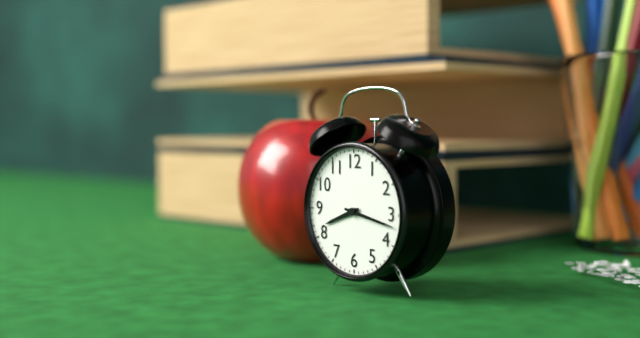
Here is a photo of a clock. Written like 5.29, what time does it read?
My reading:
8.17
